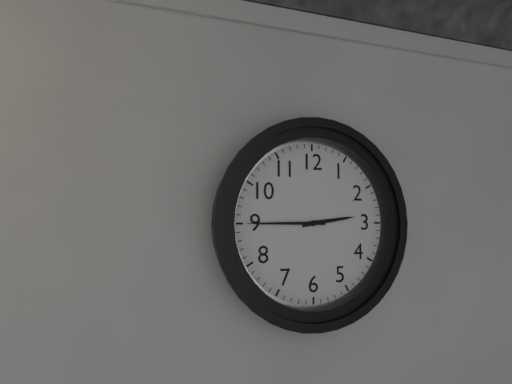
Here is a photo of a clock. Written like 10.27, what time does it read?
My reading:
2.45
